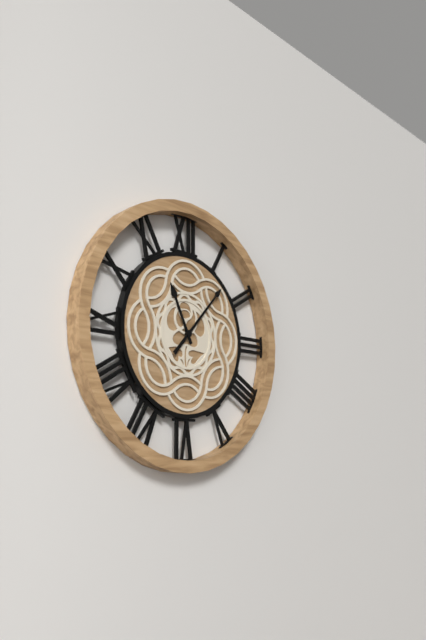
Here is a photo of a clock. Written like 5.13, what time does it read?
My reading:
11.07
